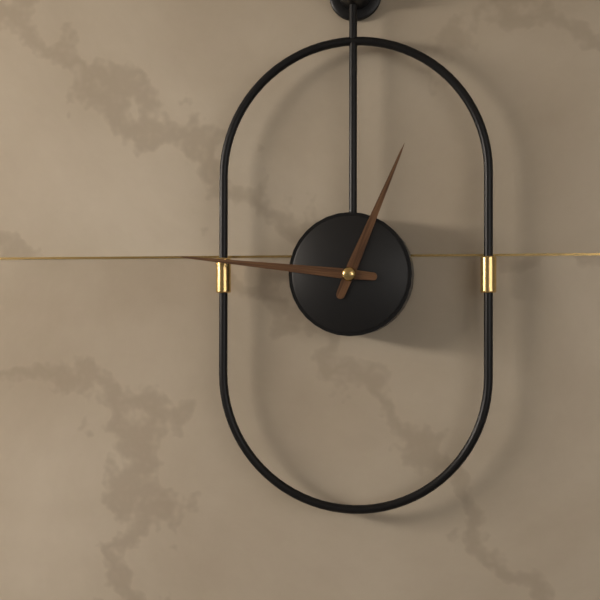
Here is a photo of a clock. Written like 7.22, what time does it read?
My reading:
12.46
